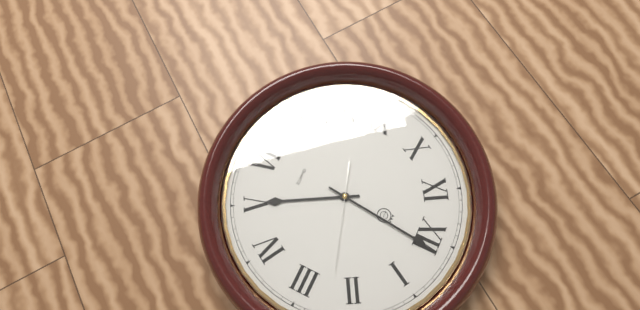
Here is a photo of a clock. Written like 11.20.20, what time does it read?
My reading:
5.01.12
